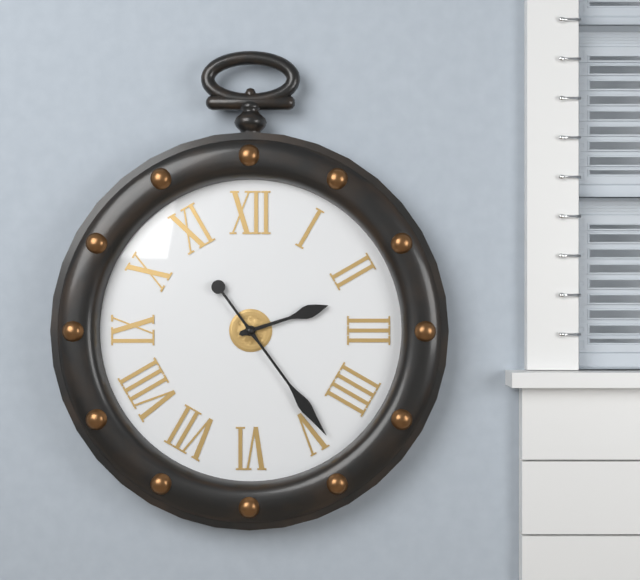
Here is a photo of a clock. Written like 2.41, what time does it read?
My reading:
2.24
